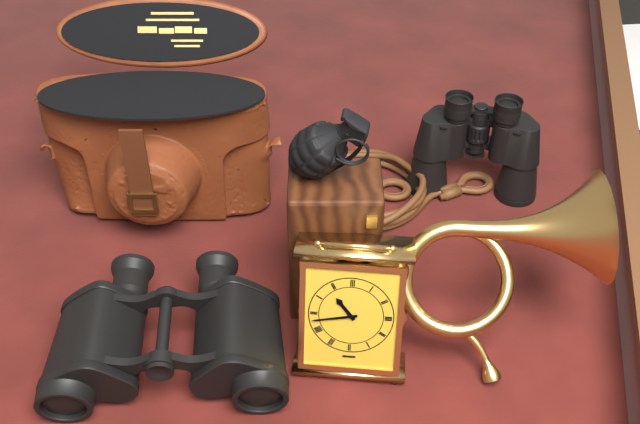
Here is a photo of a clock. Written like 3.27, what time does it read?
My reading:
10.43
